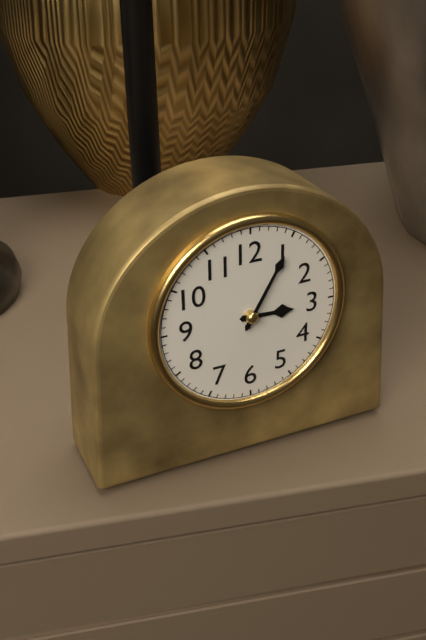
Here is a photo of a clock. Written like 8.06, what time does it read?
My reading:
3.05
